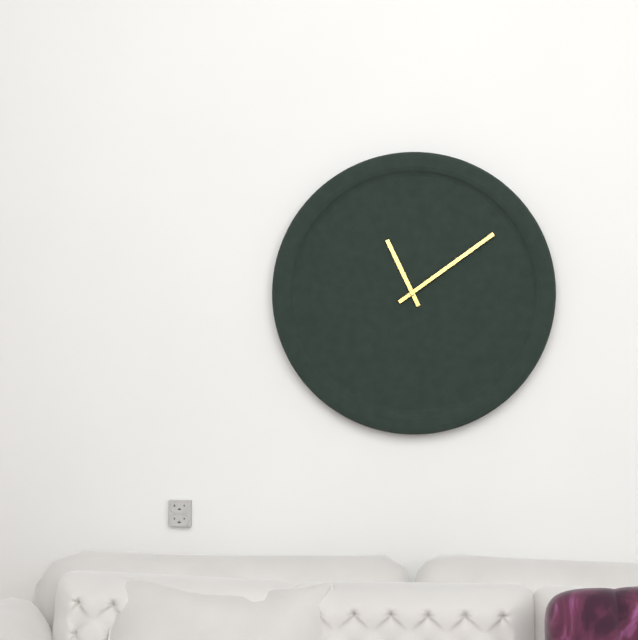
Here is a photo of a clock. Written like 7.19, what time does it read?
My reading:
11.09
